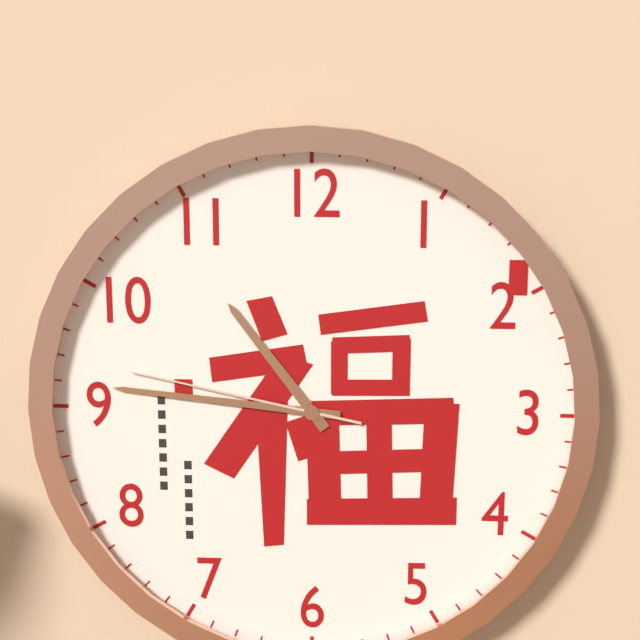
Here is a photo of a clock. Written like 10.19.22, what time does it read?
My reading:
10.46.47
